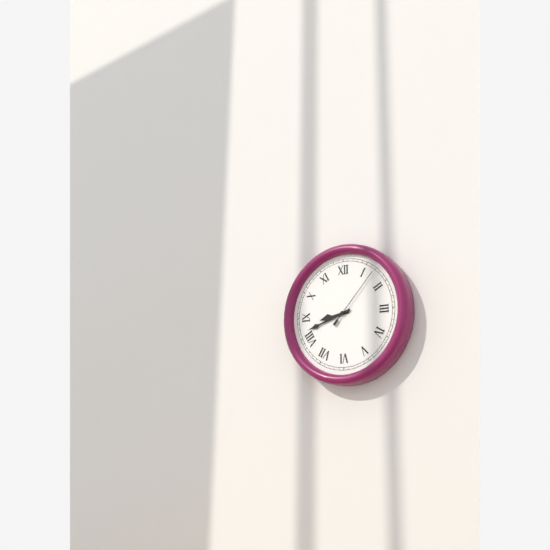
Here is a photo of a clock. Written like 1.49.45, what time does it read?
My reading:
8.42.07
